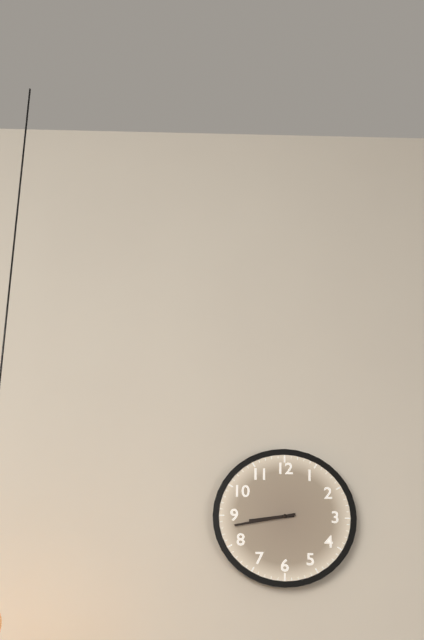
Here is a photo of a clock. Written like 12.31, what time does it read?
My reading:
8.43
